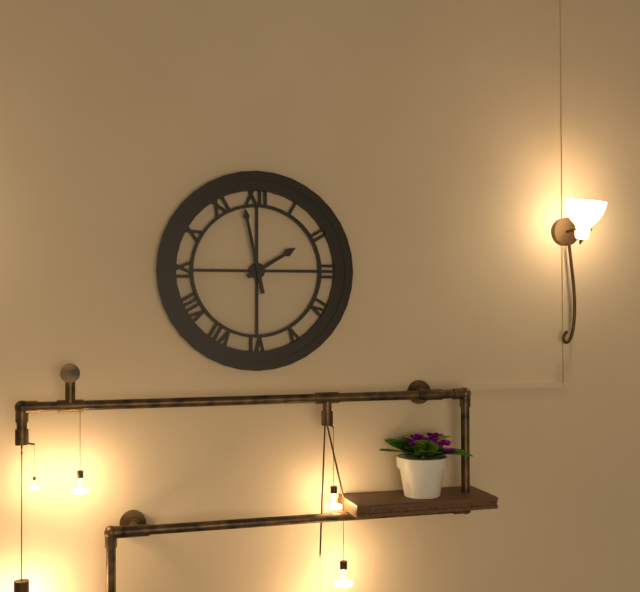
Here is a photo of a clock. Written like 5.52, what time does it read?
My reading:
1.58
